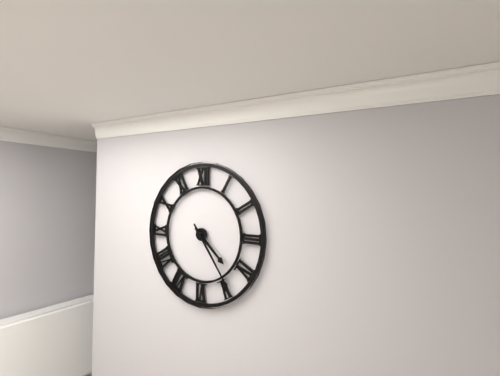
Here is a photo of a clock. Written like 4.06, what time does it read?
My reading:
4.24
